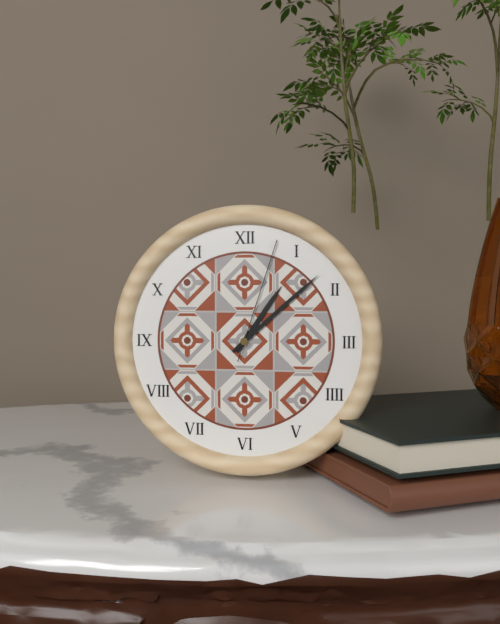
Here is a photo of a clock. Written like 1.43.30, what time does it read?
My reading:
1.08.03
